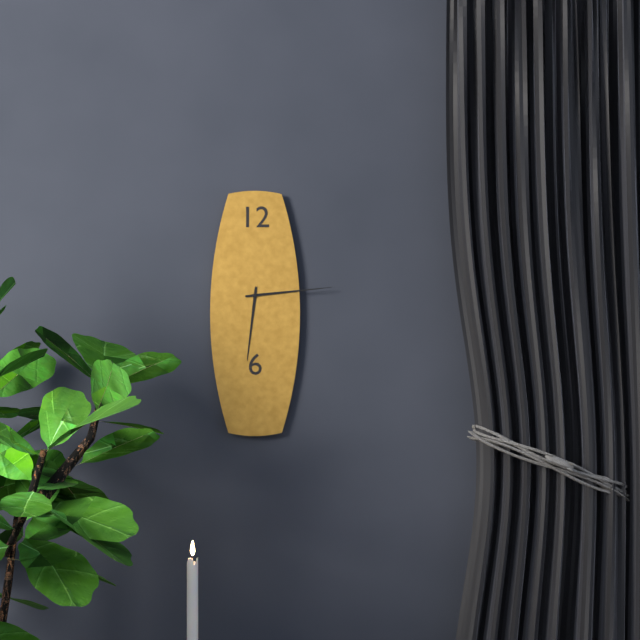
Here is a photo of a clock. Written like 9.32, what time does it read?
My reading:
6.14
